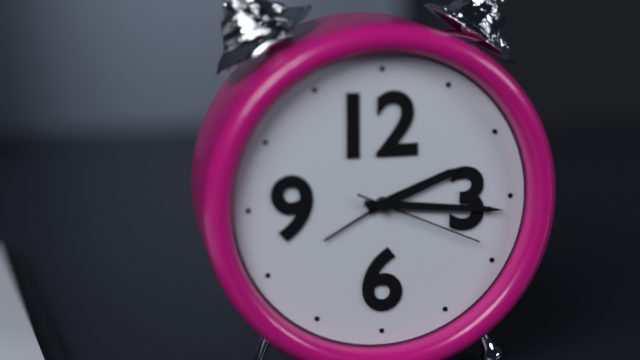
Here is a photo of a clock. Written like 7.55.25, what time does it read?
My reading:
2.16.19
